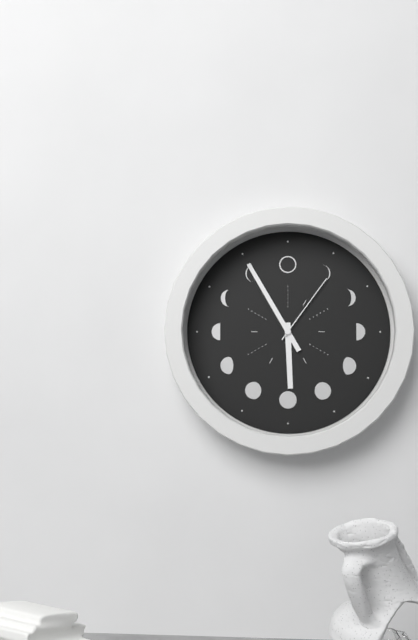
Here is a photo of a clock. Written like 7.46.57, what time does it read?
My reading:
5.55.06
